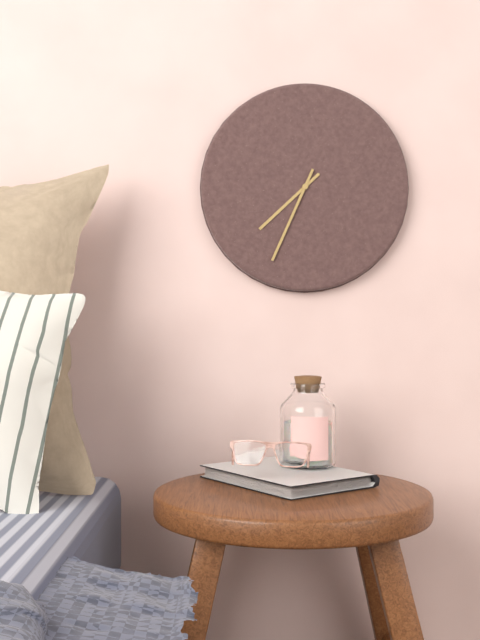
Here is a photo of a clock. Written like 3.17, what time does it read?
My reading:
7.34
